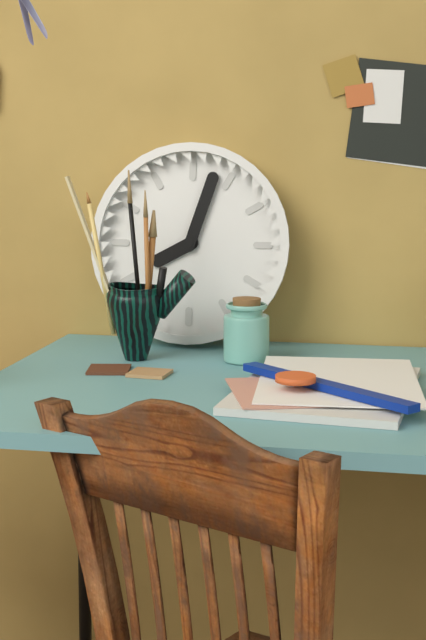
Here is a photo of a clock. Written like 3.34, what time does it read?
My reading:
8.03
